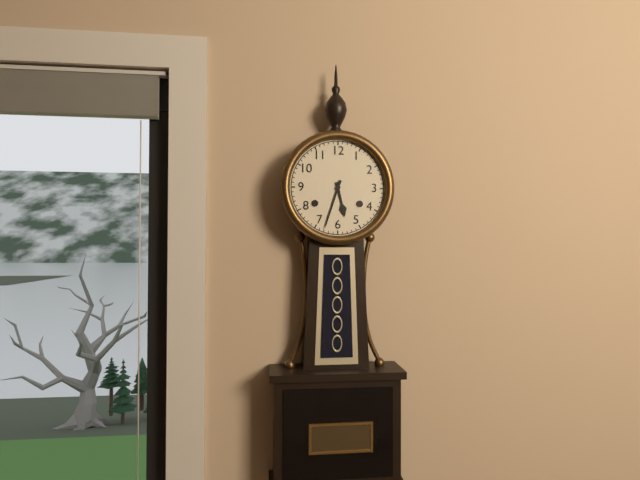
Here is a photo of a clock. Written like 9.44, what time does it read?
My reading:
5.33
